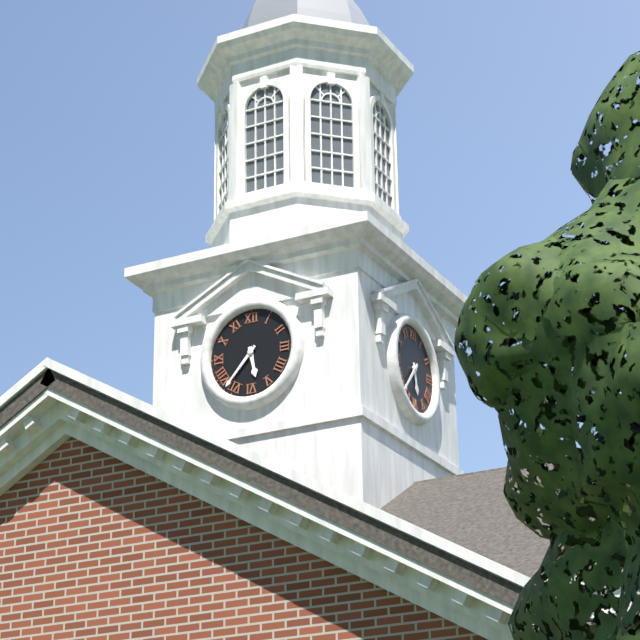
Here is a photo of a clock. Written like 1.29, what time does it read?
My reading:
5.37
